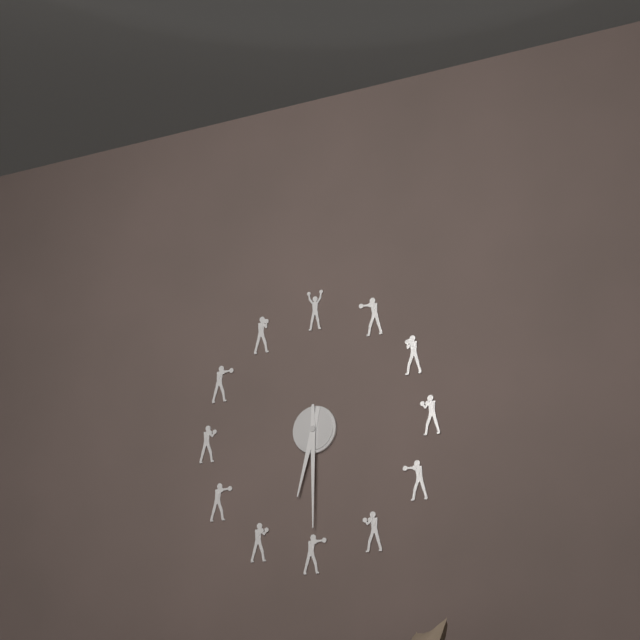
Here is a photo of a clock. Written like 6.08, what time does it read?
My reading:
6.30
